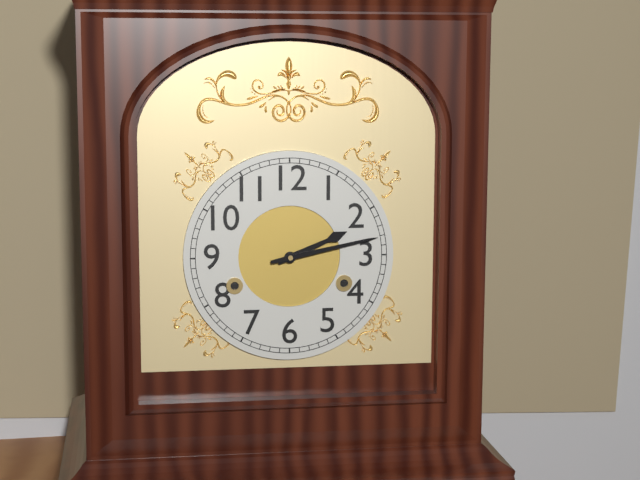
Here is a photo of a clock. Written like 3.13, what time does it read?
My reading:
2.13
